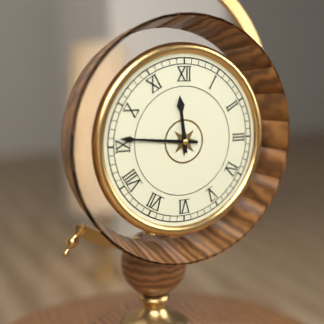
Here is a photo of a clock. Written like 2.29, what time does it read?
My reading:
11.46
